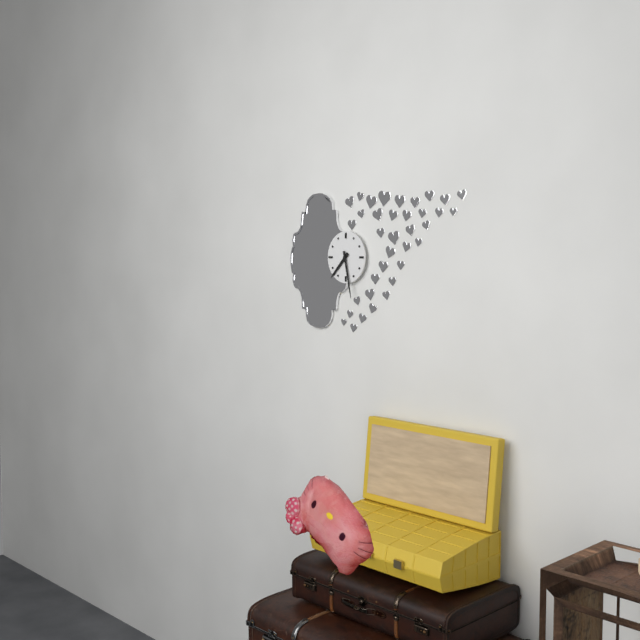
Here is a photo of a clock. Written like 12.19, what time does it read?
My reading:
7.28
